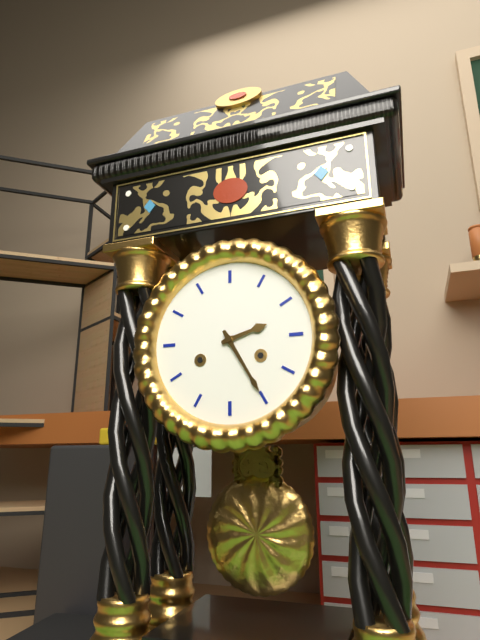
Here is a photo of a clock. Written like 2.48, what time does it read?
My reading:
2.25
